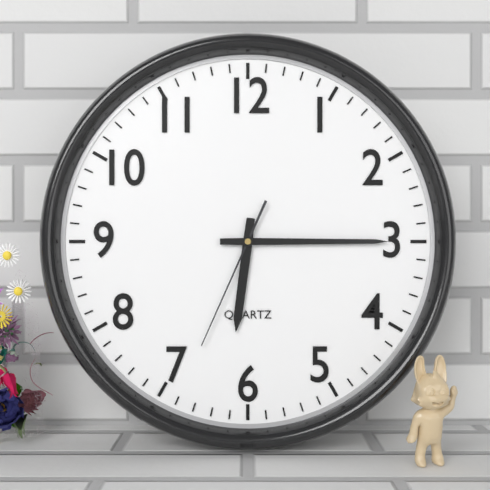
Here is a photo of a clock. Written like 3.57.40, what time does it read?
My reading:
6.15.34
